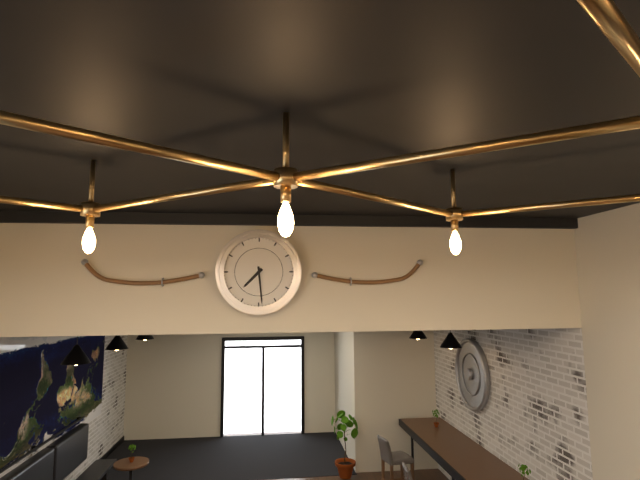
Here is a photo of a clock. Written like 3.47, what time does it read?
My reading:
7.29
